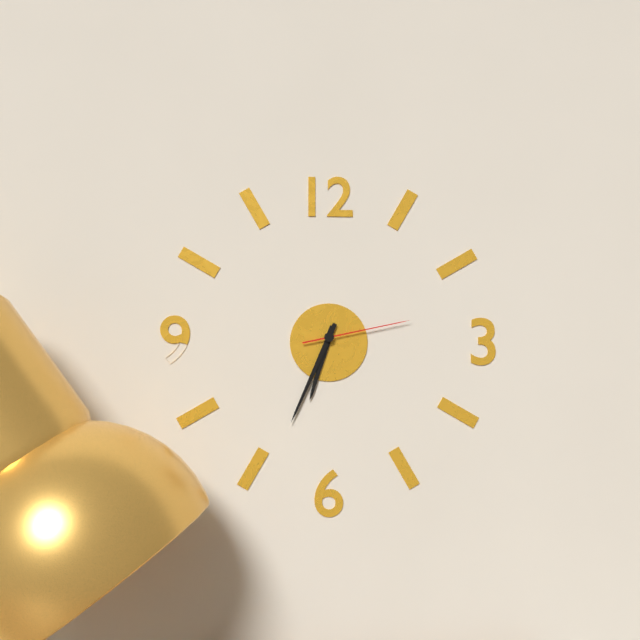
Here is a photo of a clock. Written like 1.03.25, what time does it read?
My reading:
6.34.13
